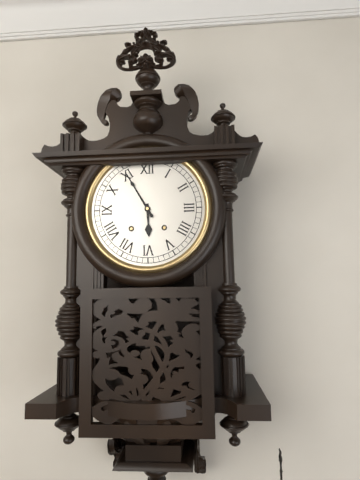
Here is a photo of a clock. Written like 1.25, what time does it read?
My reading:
5.55
